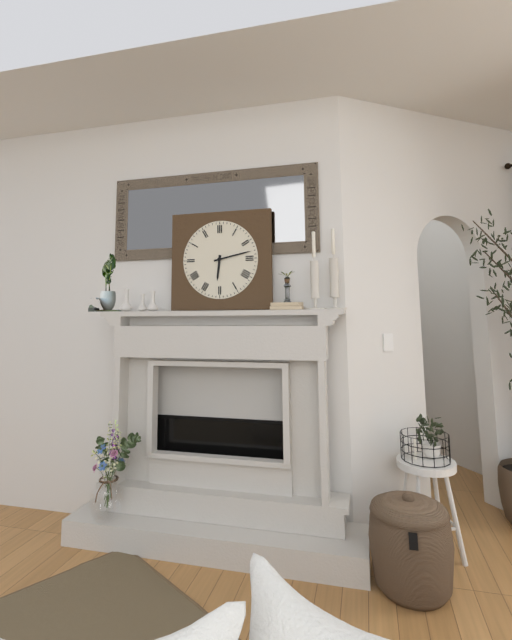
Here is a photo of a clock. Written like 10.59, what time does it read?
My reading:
6.13
